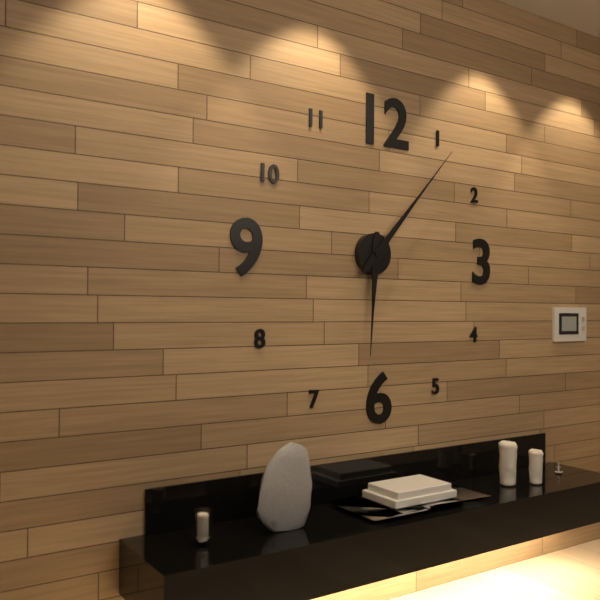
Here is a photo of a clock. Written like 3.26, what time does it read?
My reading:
6.07
